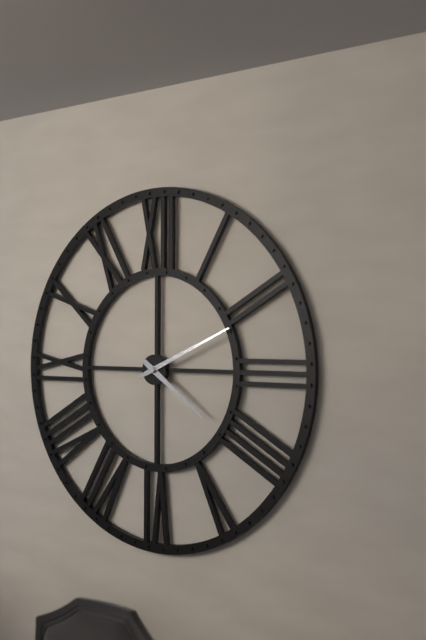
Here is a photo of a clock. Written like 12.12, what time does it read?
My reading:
4.11
